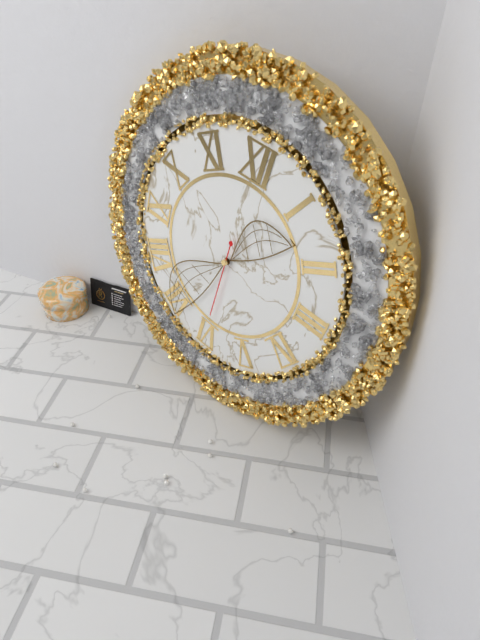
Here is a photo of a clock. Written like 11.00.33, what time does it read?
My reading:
1.34.30
